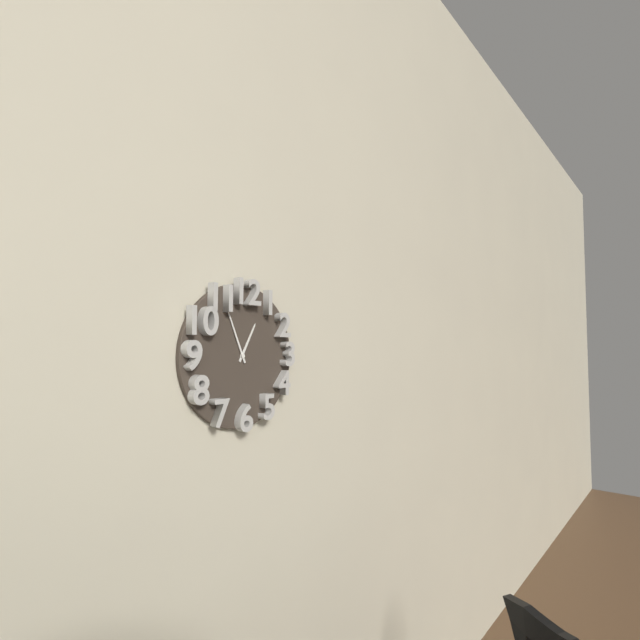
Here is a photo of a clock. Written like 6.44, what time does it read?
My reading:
12.56
